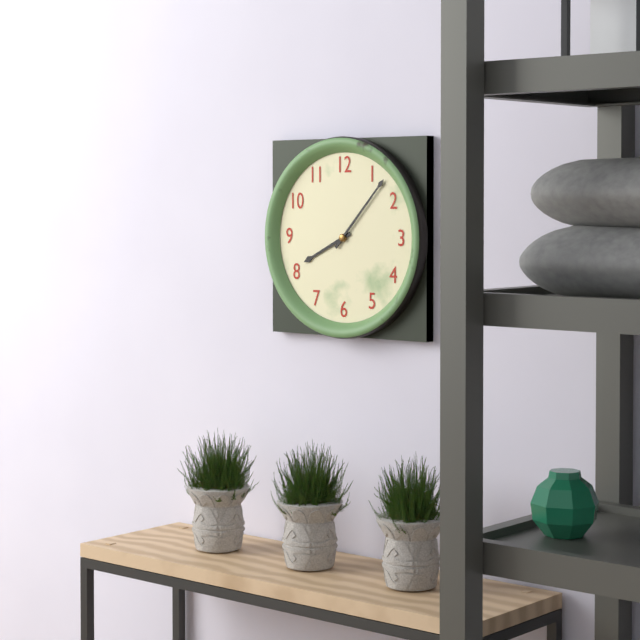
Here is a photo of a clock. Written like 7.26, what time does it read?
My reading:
8.07
